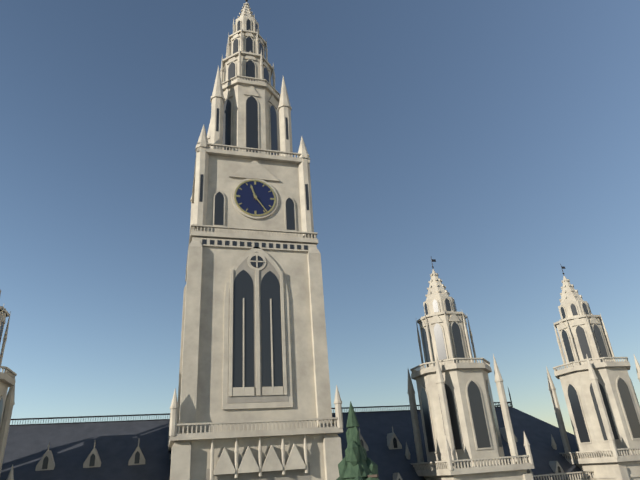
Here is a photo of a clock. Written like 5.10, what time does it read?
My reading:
11.24
